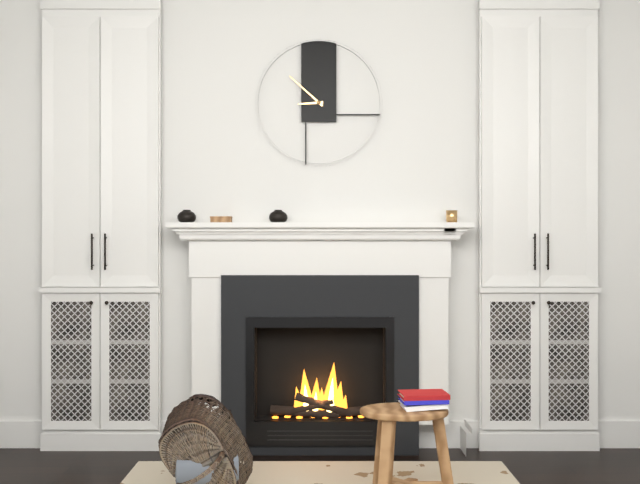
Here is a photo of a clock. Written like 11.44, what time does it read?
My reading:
8.52
